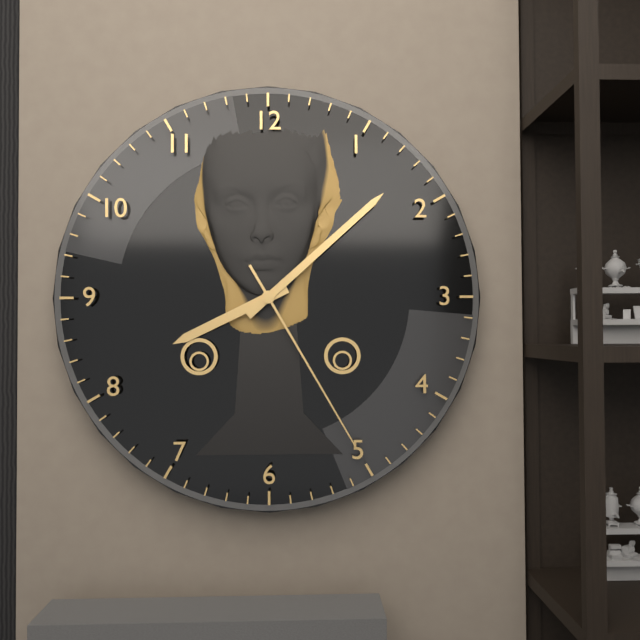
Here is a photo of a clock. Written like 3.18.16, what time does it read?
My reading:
8.08.25
